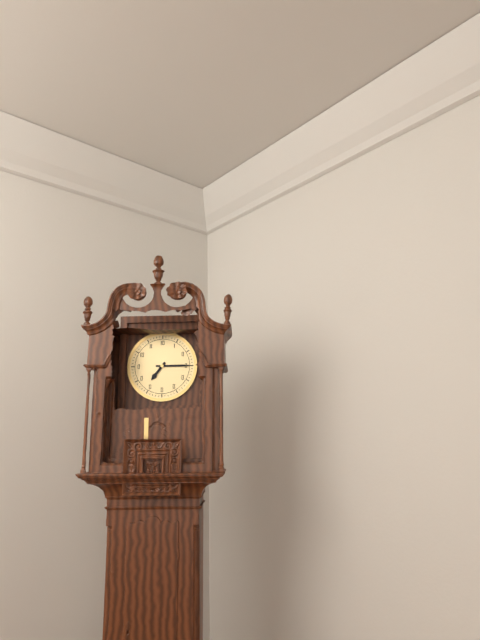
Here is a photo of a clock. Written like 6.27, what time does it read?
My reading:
7.15
